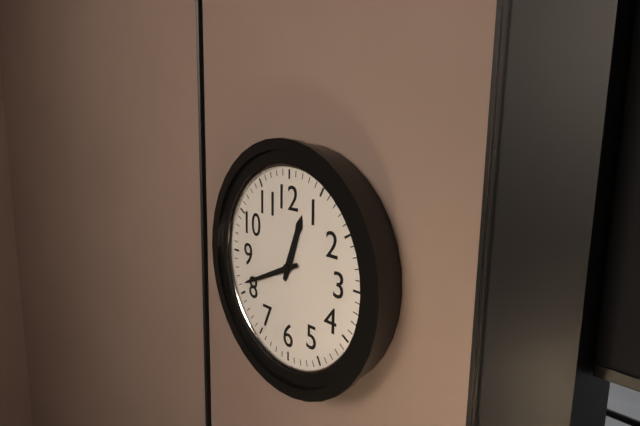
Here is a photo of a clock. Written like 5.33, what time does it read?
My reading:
12.41
